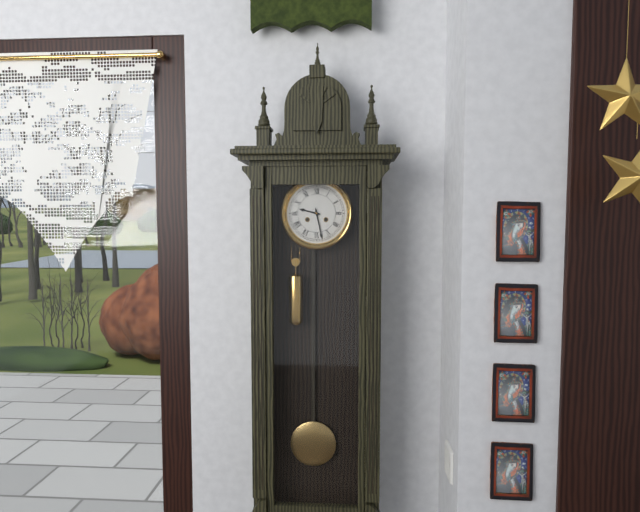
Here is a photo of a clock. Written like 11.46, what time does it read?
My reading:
9.28
